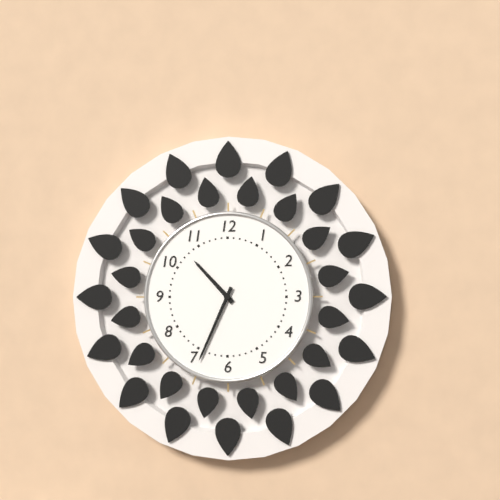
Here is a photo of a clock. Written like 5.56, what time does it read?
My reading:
10.34
